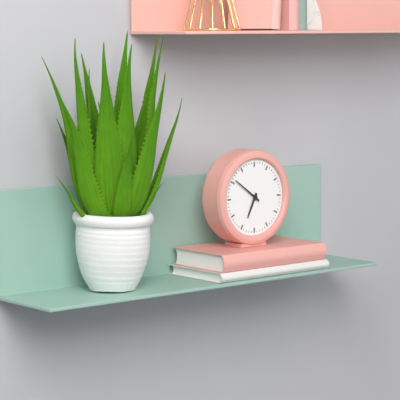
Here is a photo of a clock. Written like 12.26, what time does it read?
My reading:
6.51
